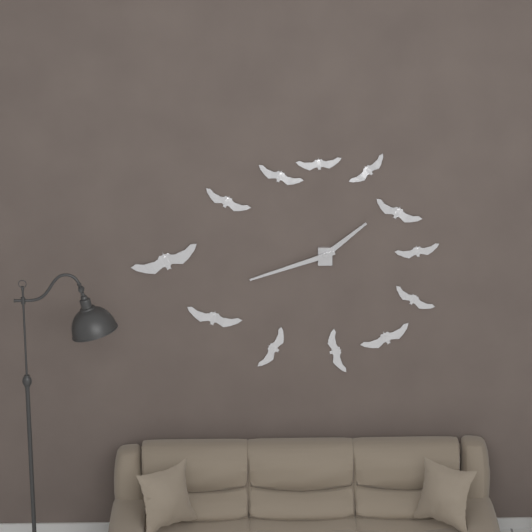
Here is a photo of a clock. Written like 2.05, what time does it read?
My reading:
1.42
